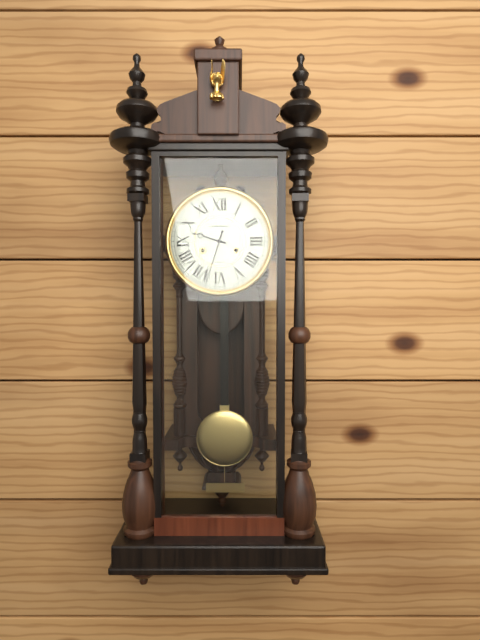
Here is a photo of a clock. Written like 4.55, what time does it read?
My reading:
9.33
